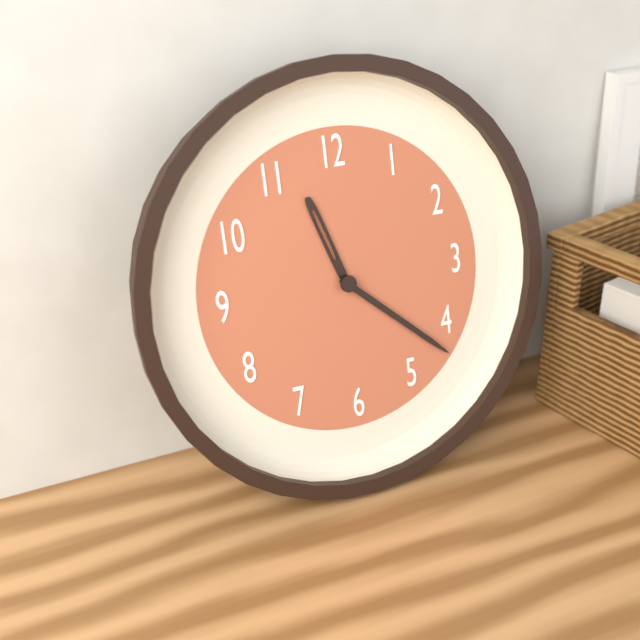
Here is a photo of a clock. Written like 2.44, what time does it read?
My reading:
11.22
